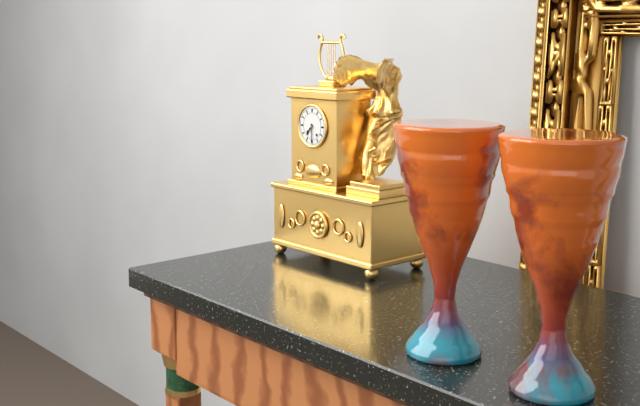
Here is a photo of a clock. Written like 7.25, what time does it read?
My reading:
7.30
